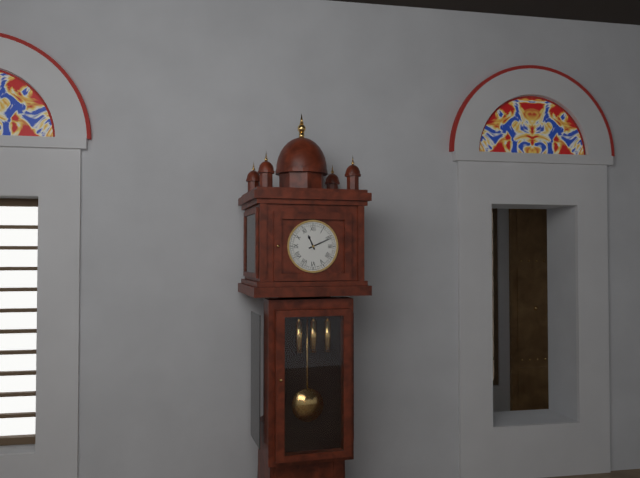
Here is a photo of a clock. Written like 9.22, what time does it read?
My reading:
11.11
